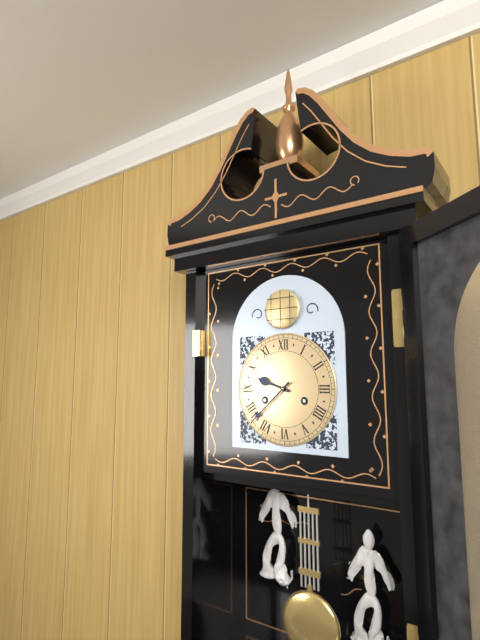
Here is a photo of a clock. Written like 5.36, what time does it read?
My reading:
9.38
